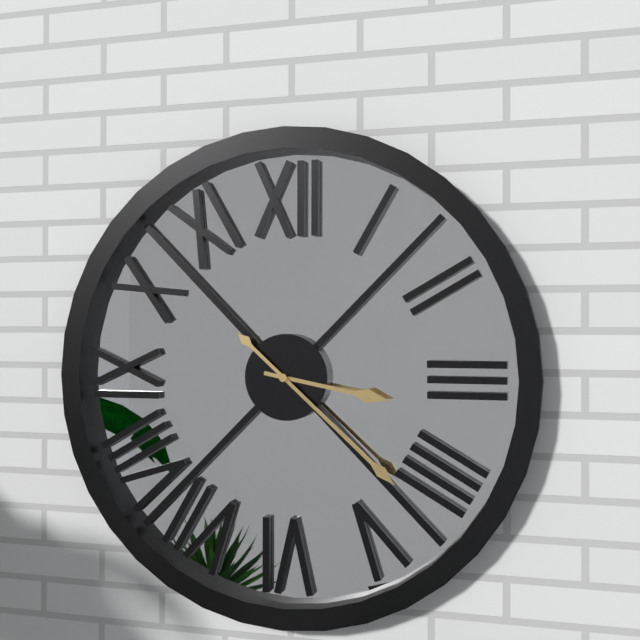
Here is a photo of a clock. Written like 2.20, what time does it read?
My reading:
3.22
